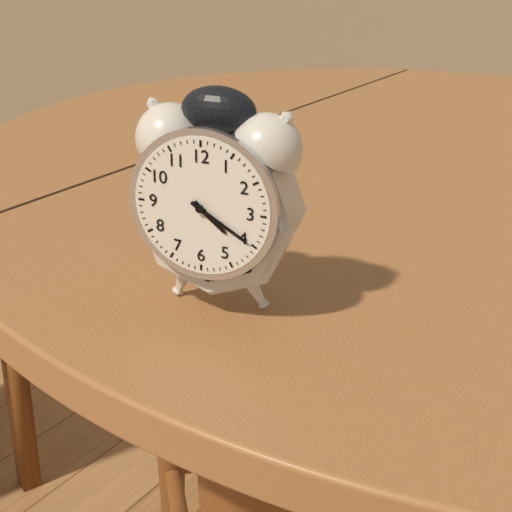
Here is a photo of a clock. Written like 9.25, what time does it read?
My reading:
4.20
